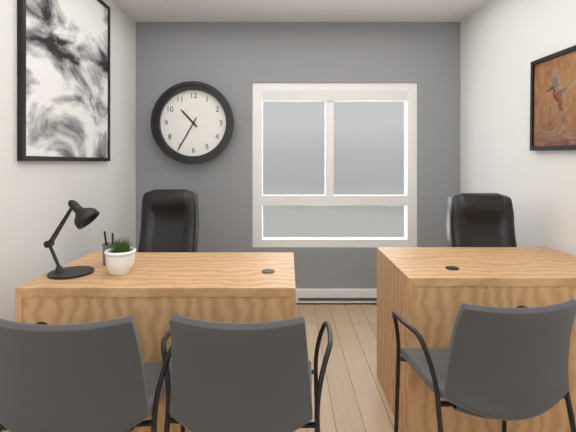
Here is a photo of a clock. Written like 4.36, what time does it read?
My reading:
10.35
